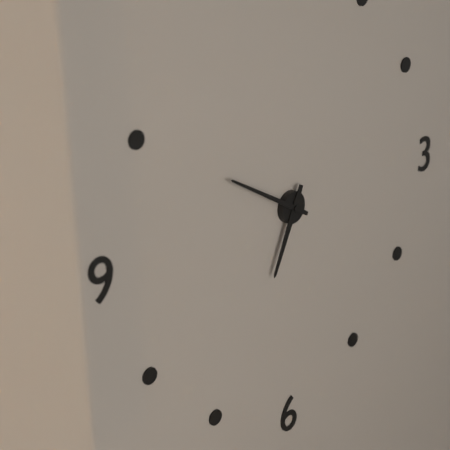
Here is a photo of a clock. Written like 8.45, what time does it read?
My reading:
6.50
